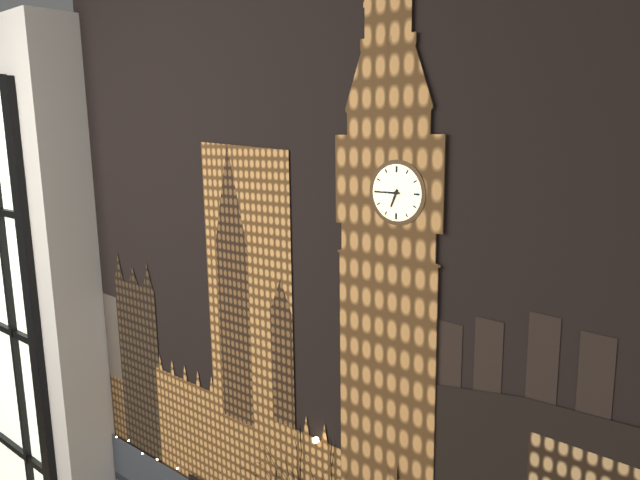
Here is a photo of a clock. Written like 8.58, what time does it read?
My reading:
6.45
